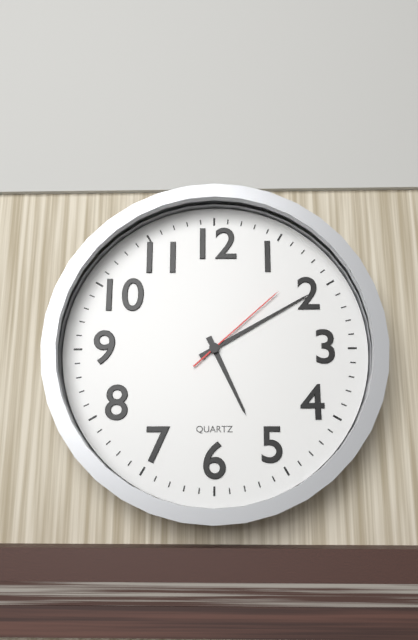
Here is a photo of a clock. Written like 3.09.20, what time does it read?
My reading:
5.10.08
